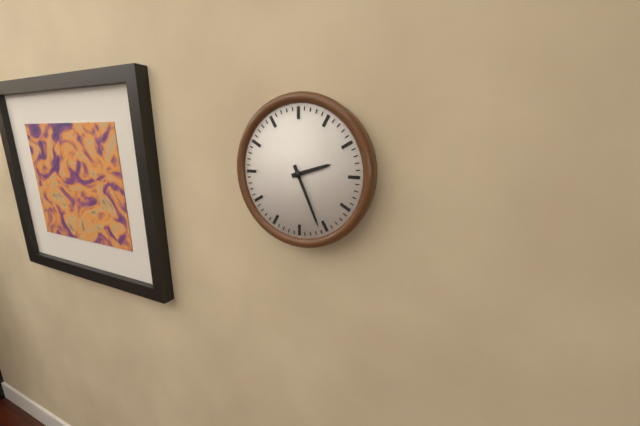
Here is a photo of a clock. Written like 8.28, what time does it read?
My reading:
2.26
